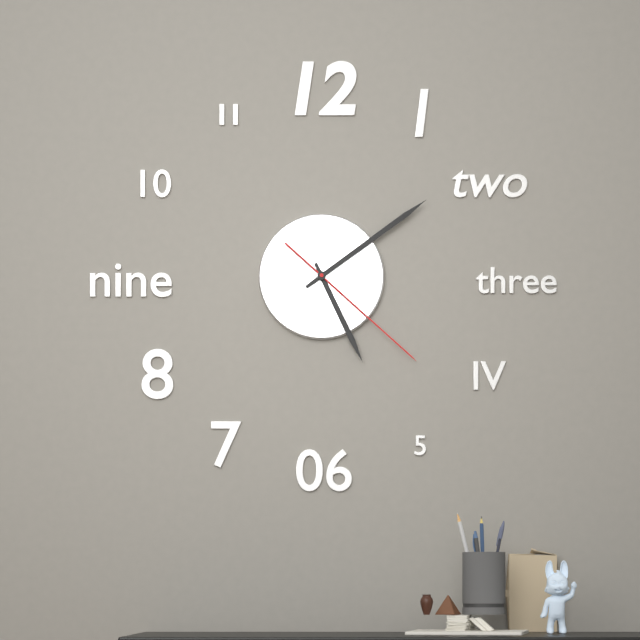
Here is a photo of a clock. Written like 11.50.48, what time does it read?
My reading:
5.09.22
